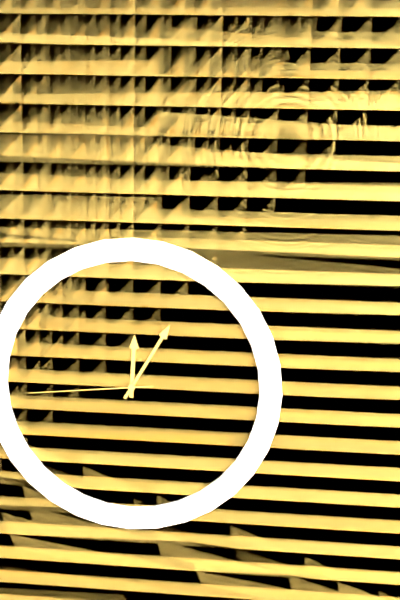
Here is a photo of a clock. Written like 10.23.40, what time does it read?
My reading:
12.05.44
